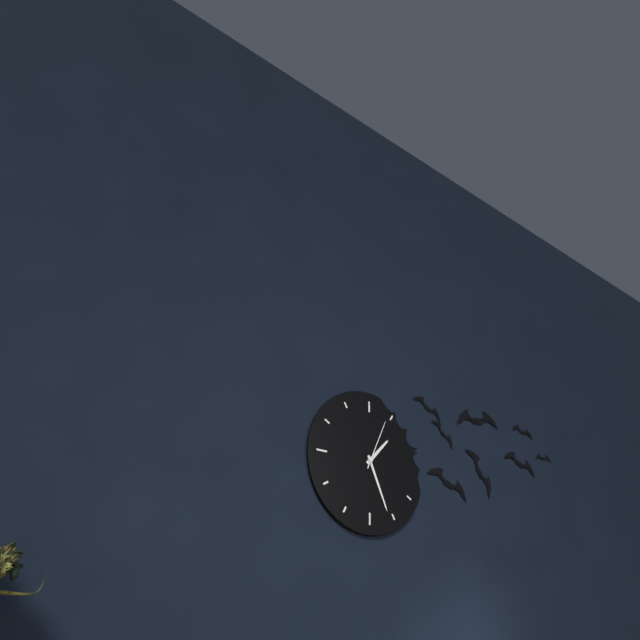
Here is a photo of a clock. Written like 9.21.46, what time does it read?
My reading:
1.26.04
